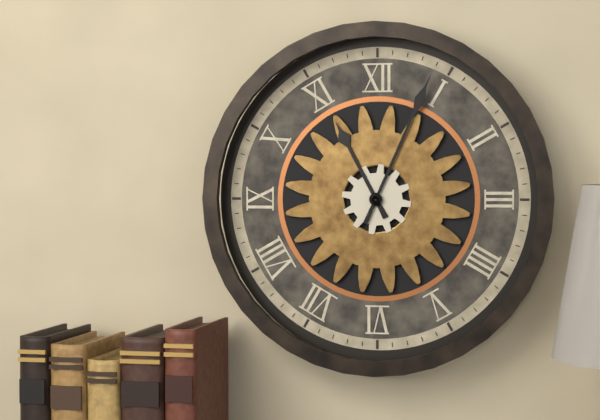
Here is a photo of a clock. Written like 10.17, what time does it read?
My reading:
11.04
